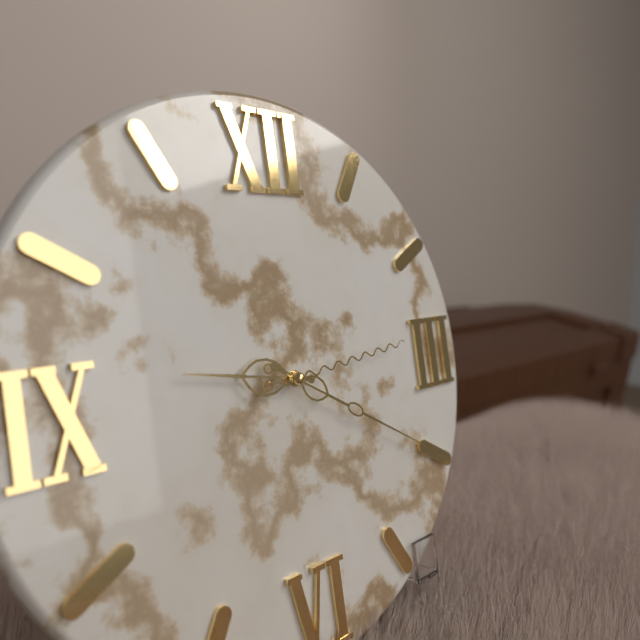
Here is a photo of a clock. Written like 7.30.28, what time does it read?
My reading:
9.20.14
